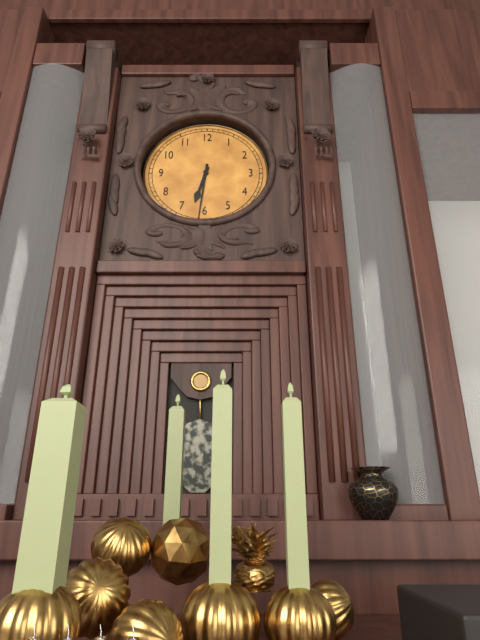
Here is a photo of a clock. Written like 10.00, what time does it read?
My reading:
6.31
